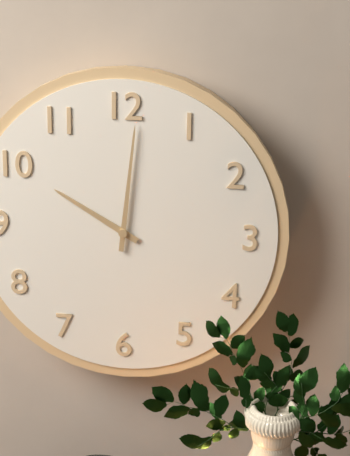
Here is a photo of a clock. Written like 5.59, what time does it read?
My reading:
10.01
